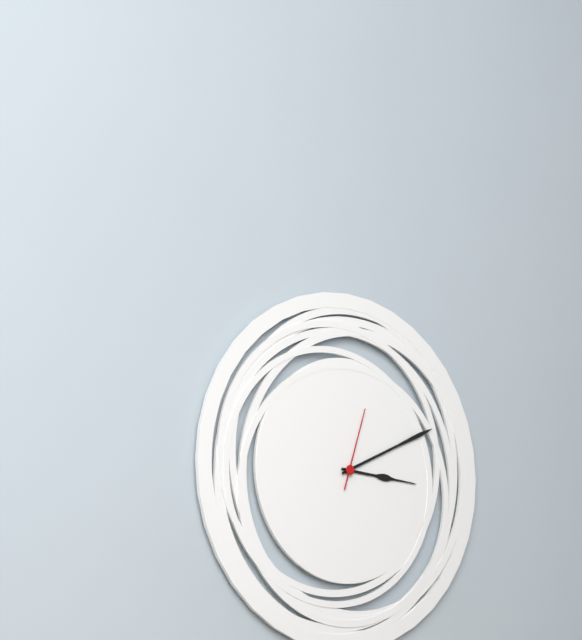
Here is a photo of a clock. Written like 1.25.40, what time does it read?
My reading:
3.11.03
